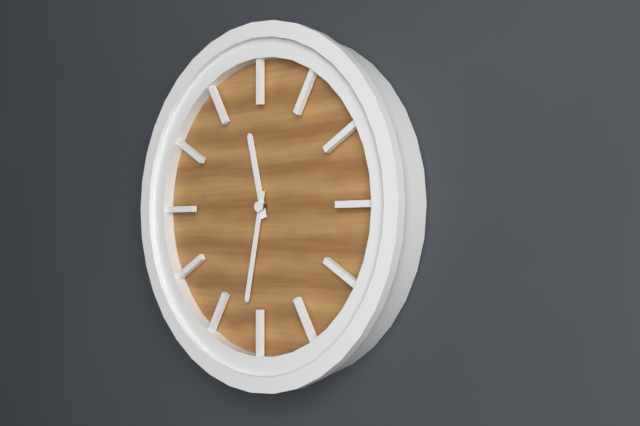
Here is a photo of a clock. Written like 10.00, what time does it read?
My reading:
11.32
